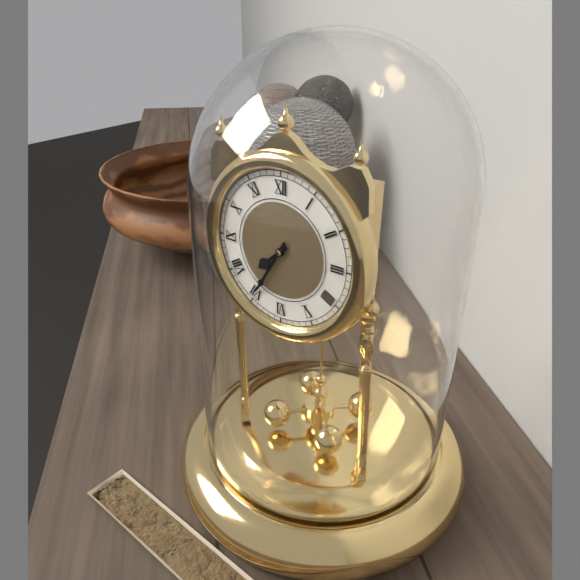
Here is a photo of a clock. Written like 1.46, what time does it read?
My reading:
7.35
